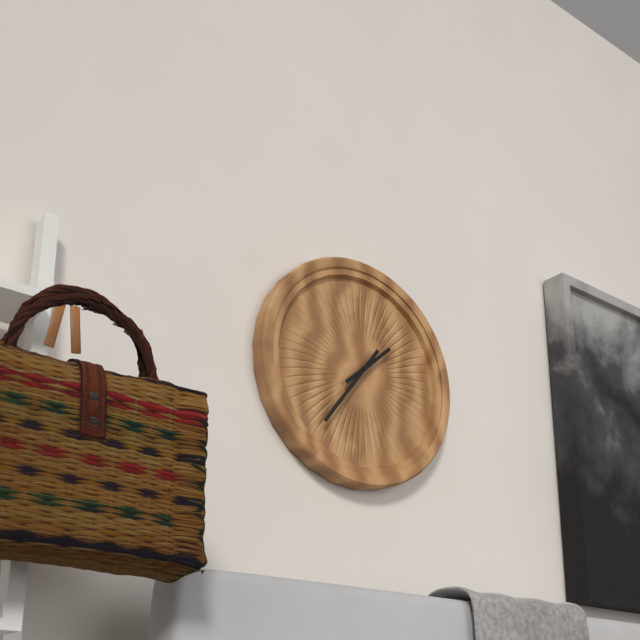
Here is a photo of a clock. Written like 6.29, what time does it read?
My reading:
1.36
